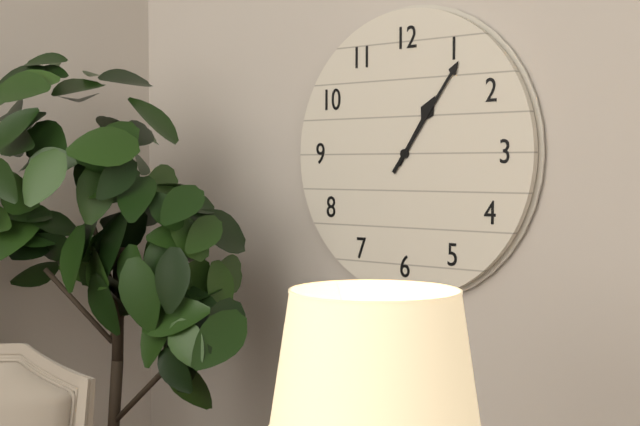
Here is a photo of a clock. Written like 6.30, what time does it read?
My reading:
1.06
